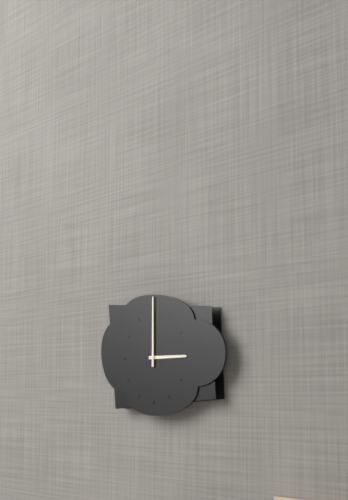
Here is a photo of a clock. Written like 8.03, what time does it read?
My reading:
3.00
